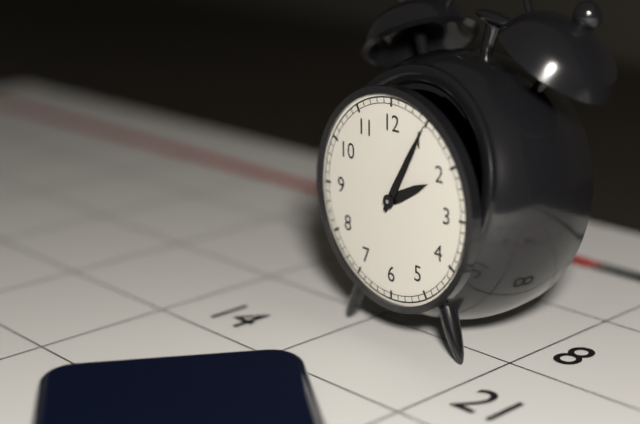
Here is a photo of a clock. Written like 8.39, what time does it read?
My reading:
2.05
